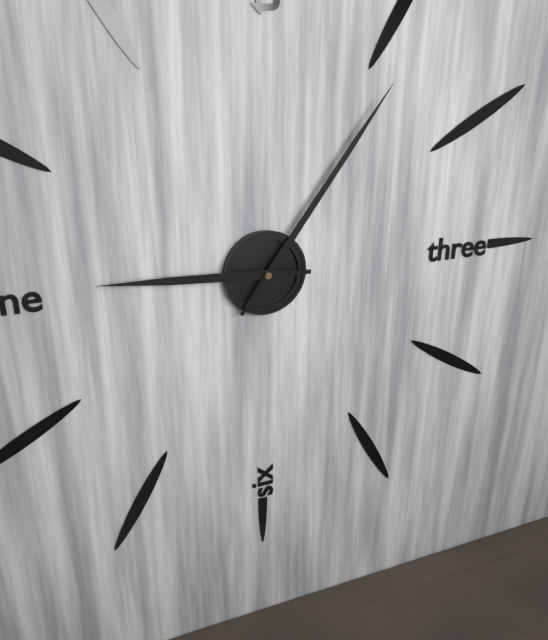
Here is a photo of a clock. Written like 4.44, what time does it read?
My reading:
9.06
